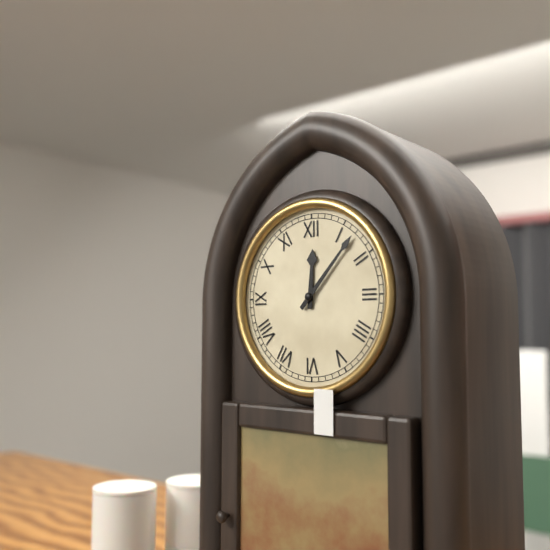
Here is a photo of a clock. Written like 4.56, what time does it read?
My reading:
12.07
